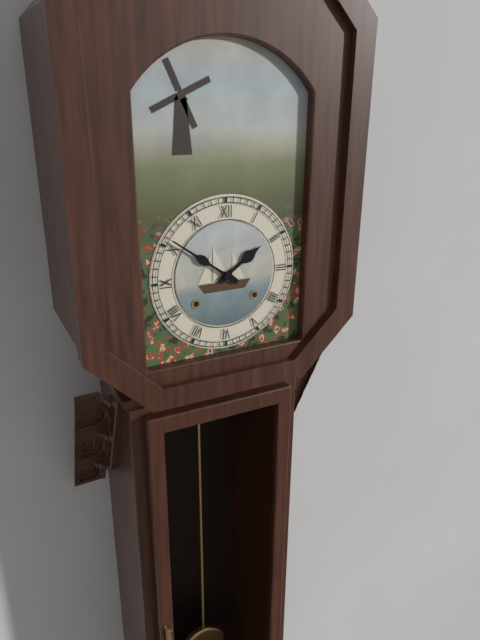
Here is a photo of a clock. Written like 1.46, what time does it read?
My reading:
1.51
